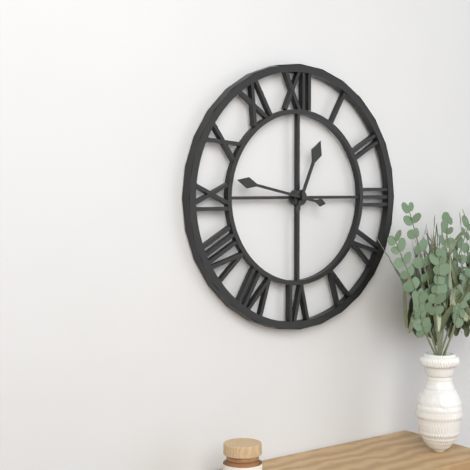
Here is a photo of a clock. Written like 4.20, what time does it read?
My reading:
12.47
